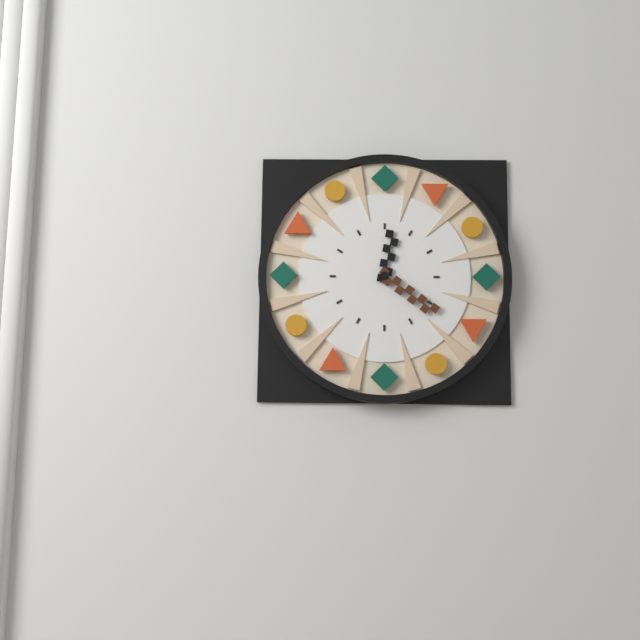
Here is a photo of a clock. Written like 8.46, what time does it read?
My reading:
12.21
